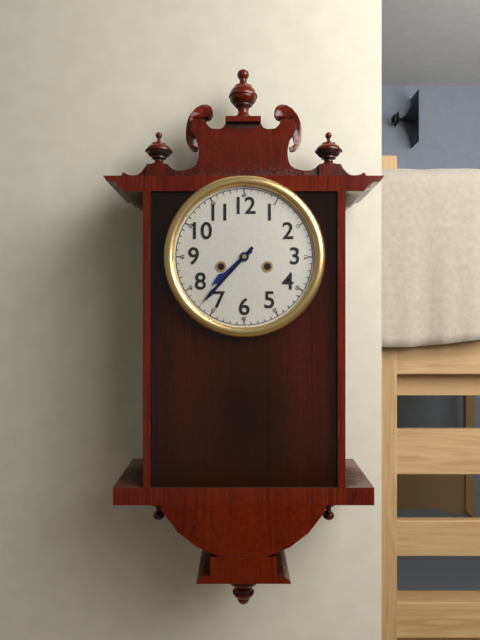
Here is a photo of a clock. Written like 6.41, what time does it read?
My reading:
7.37
